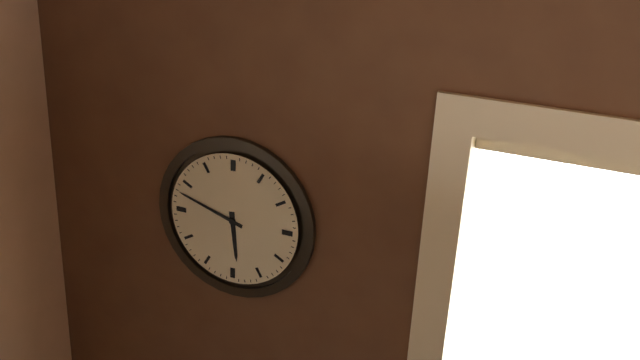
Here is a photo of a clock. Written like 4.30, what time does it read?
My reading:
5.48
